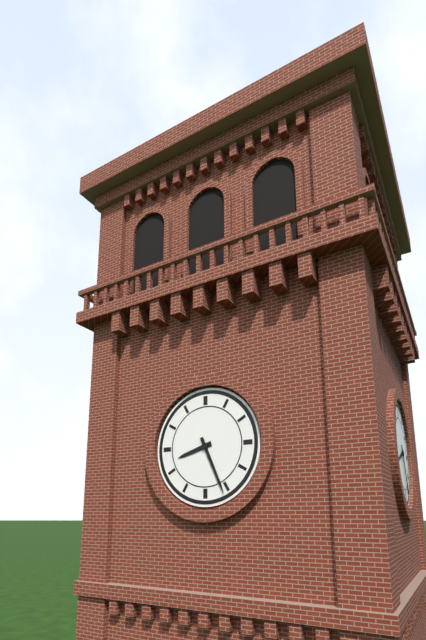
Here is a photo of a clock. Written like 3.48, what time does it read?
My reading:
8.26
